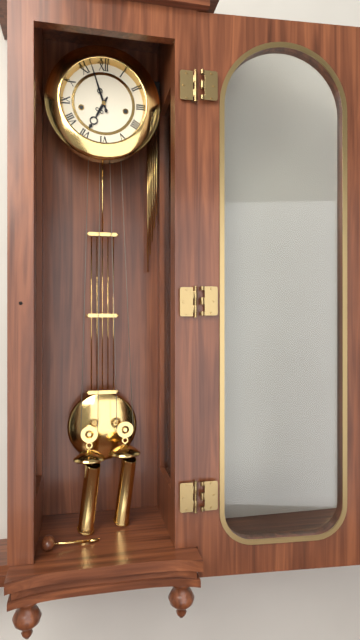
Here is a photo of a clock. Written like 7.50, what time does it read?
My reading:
6.57
